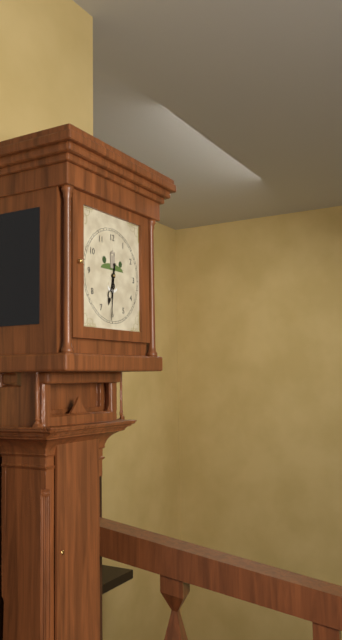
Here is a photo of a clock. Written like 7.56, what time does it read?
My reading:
6.31
